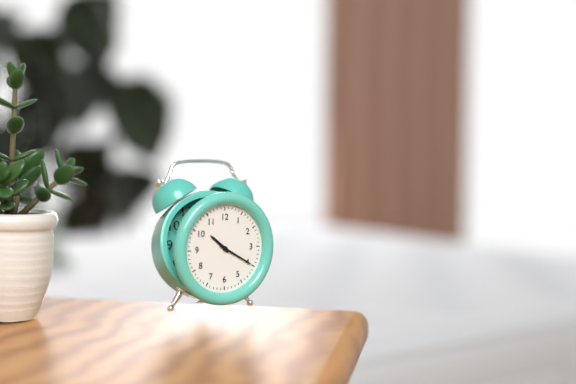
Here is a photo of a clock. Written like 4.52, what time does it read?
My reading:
10.20
